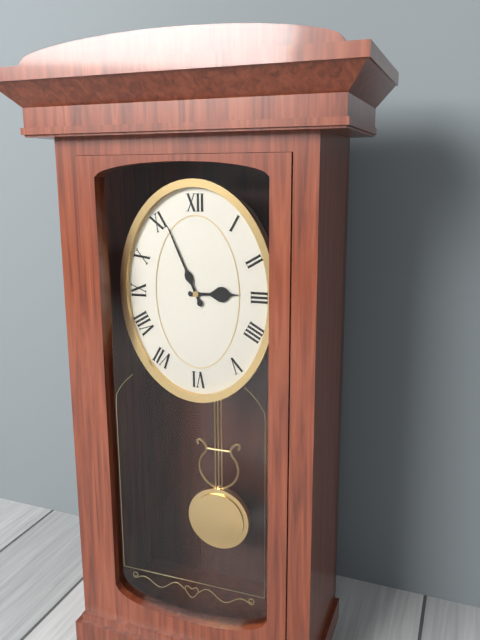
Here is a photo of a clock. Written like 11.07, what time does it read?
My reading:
2.56
